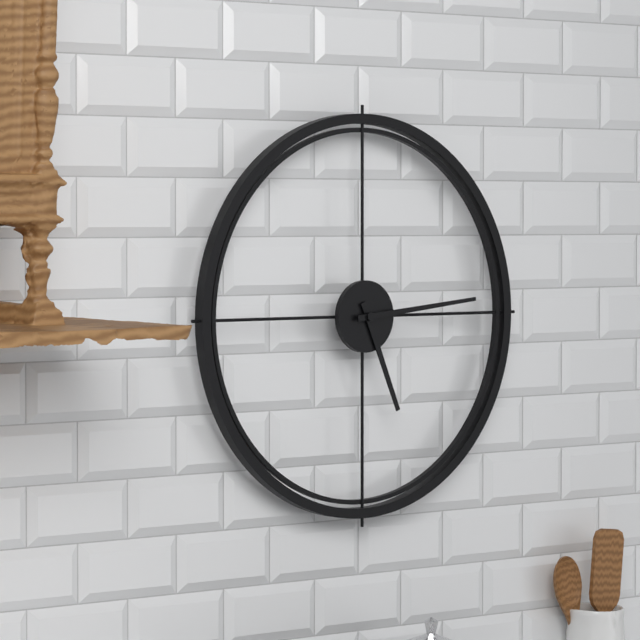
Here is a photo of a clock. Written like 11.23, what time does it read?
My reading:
5.14
